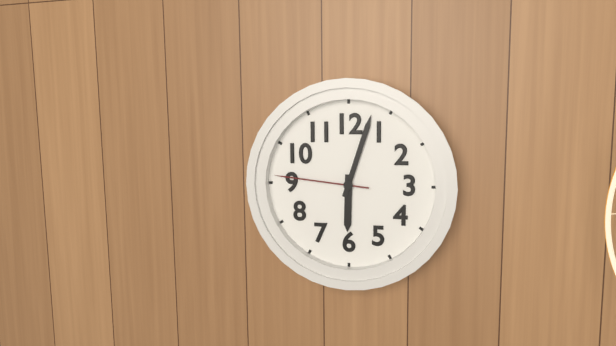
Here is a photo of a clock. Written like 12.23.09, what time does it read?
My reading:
6.03.46
